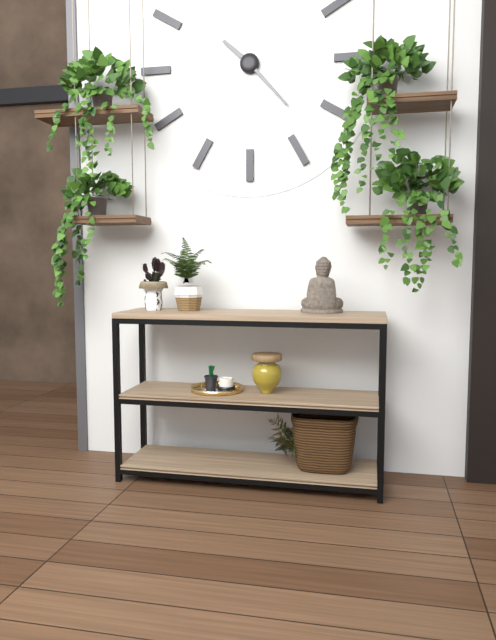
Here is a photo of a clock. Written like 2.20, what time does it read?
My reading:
10.23
